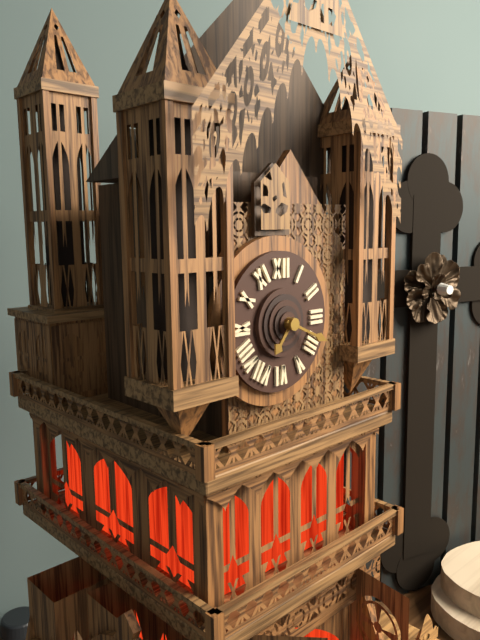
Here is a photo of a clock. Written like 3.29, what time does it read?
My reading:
7.19
